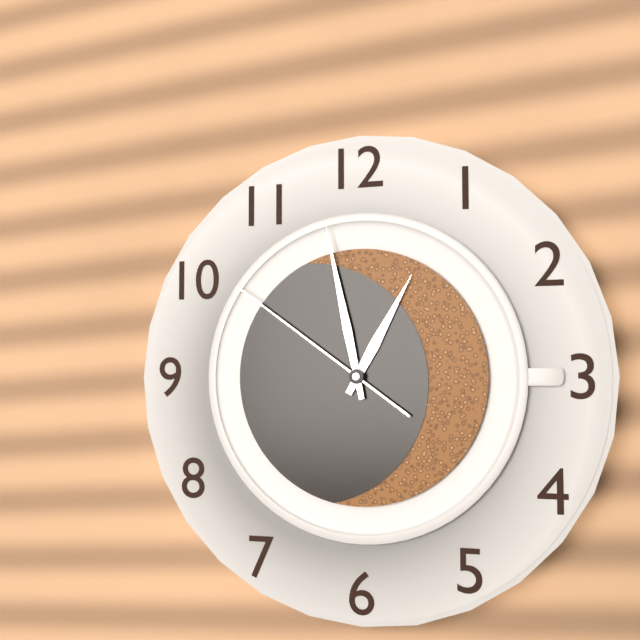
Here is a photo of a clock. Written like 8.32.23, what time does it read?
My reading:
12.58.51
